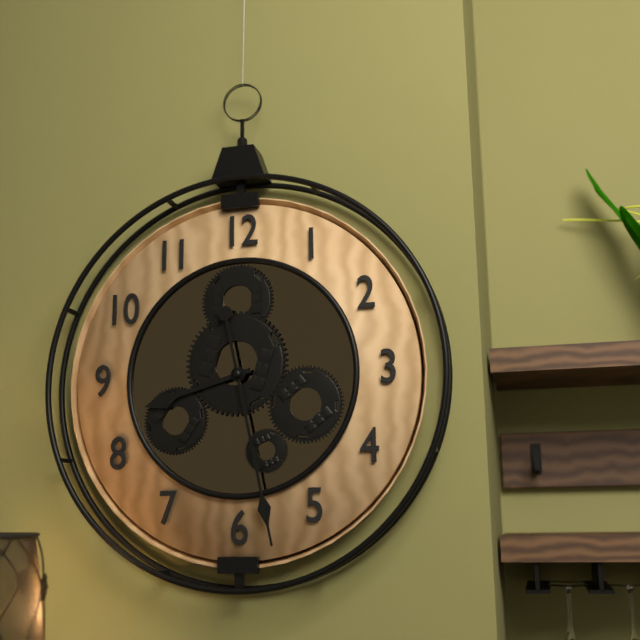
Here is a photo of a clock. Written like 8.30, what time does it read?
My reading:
8.28
